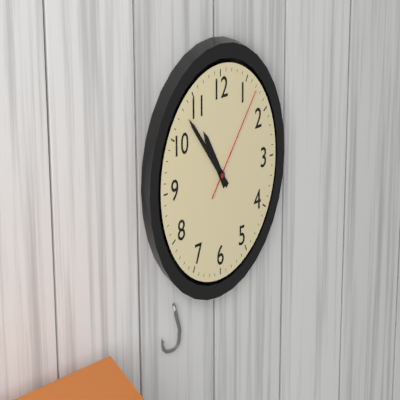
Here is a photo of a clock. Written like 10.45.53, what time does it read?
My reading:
10.53.07
